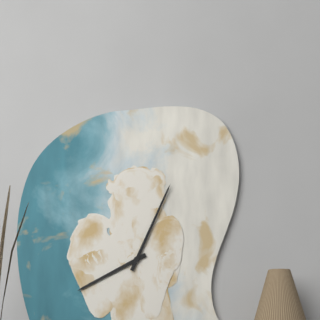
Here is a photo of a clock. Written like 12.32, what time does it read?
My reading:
8.04
